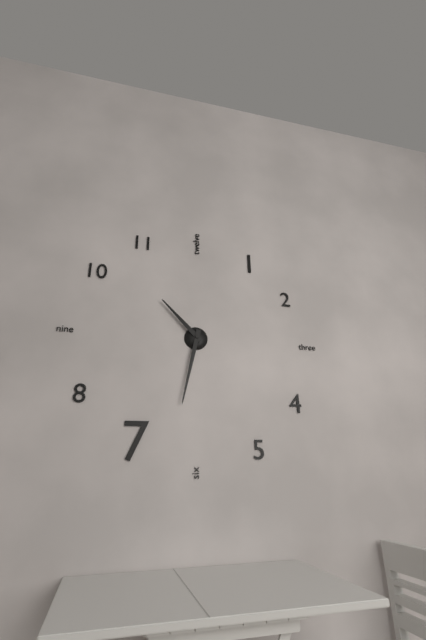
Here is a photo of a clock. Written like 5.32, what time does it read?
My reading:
10.32
